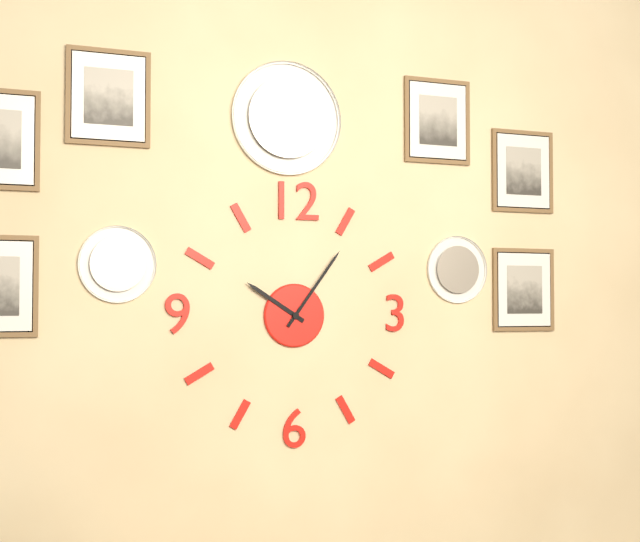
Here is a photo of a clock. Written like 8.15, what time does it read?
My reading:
10.06
